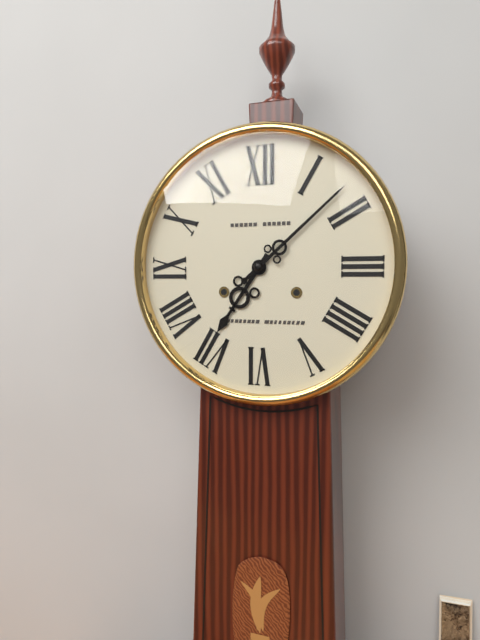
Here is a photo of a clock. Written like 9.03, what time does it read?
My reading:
7.08
